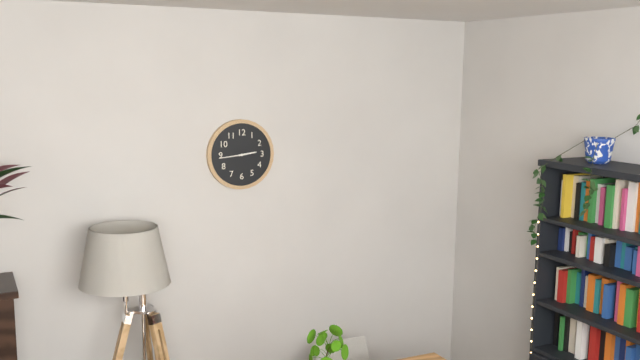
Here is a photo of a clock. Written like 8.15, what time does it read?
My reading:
2.44
